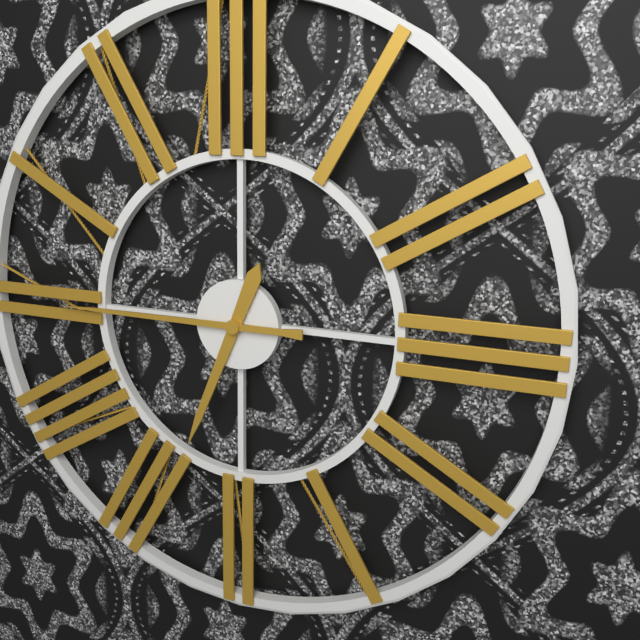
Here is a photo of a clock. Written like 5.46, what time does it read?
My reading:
6.45
